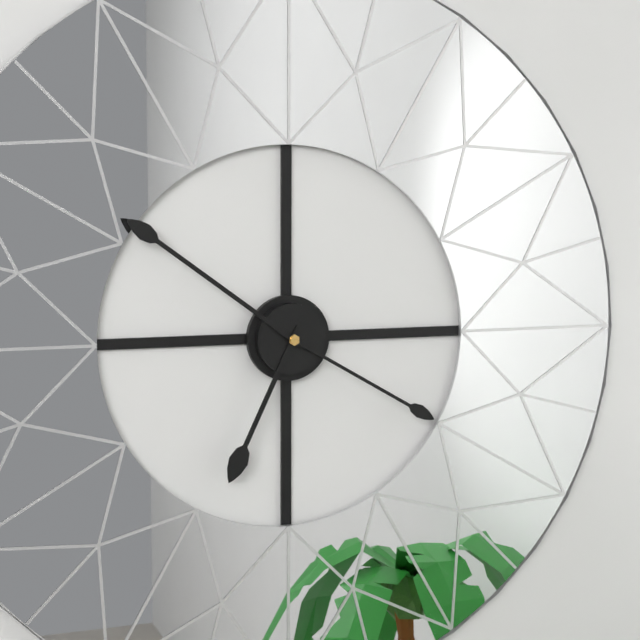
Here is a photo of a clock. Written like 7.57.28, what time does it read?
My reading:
6.51.20
